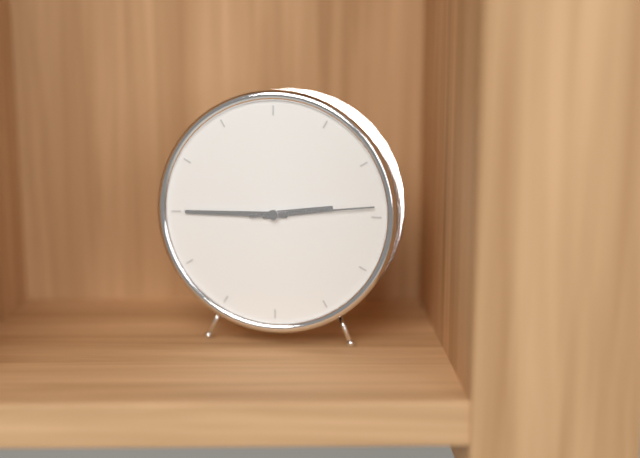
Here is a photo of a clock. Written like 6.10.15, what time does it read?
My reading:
2.45.14
